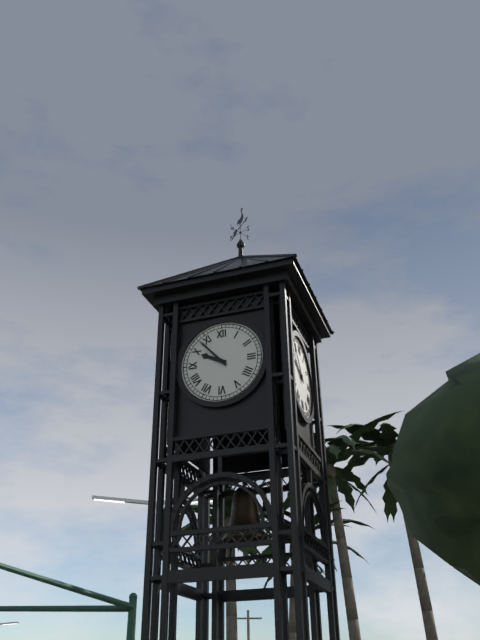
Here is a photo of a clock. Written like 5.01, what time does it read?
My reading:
9.53
